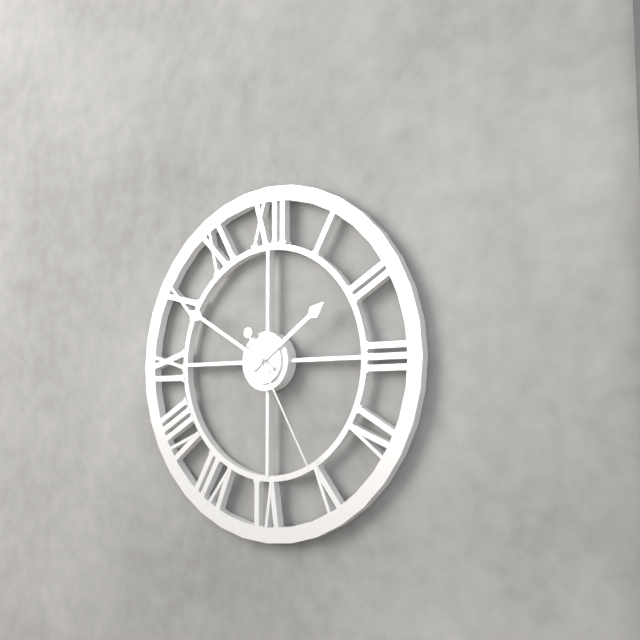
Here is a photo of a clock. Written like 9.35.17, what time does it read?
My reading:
1.50.25
